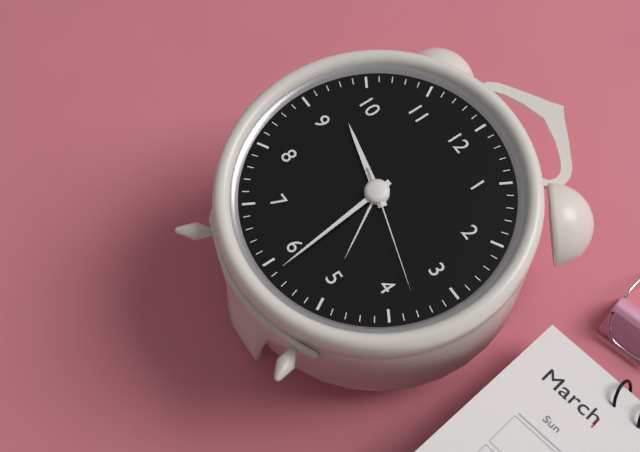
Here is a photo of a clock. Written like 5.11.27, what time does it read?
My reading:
9.29.18
